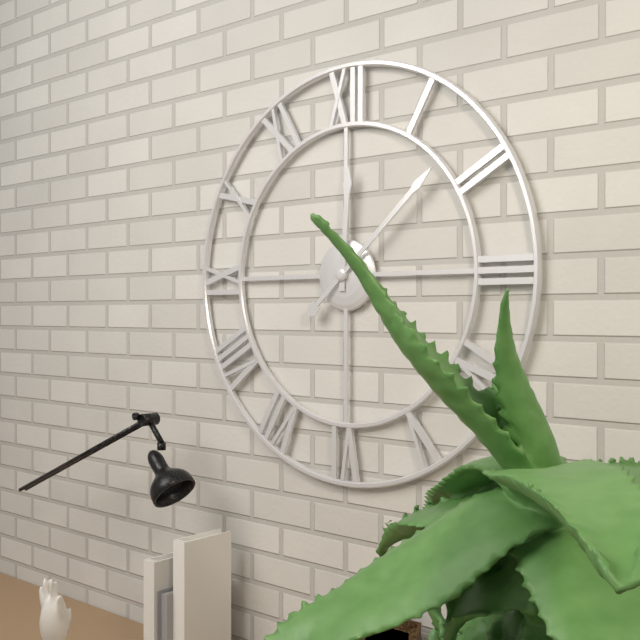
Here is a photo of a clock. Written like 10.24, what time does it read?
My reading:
12.08
